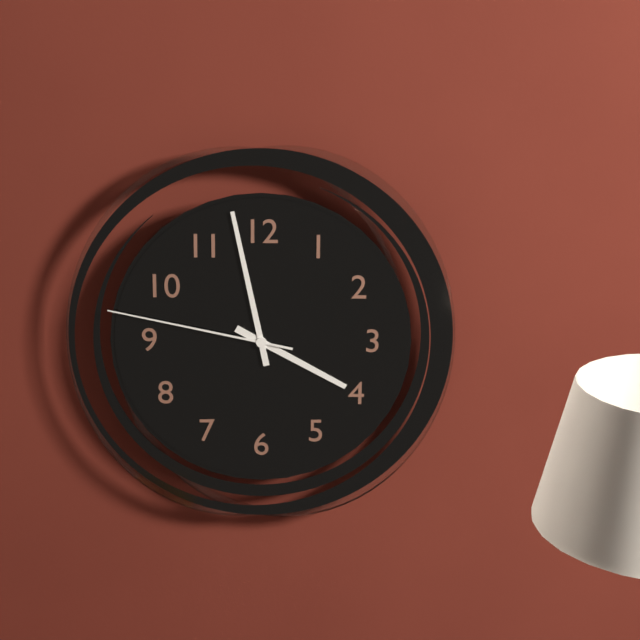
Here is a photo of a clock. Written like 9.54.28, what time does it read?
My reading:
3.58.47
